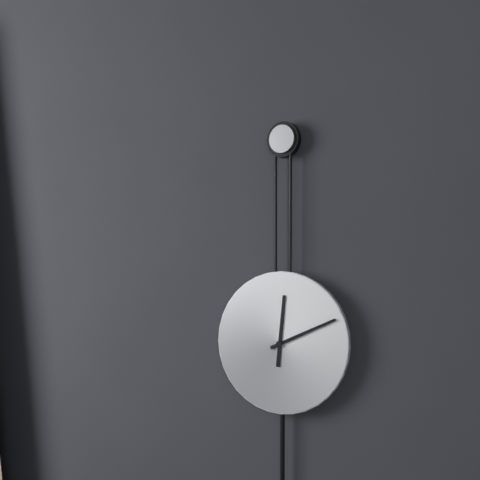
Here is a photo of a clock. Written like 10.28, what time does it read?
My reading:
12.11
